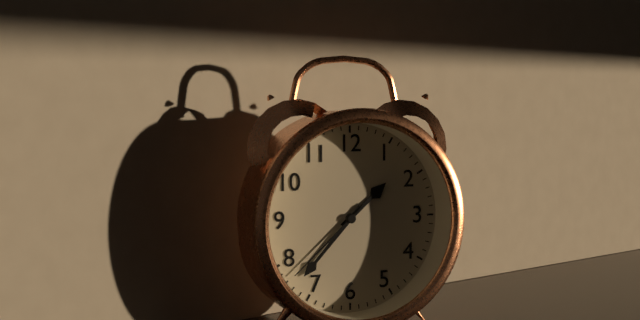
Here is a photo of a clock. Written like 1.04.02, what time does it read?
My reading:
1.37.38
